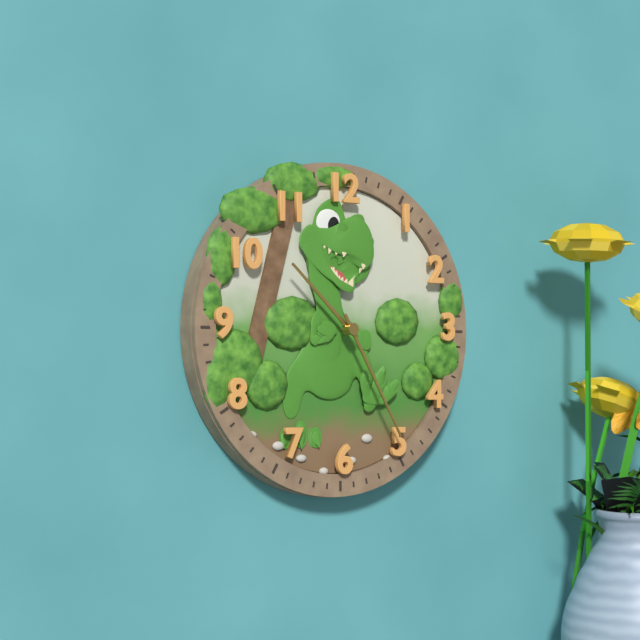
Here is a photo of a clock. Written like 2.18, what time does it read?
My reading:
10.25
